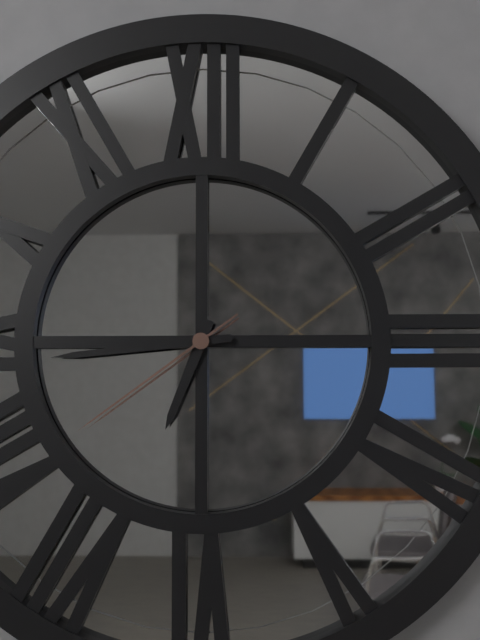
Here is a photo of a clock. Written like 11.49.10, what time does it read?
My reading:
6.44.39
